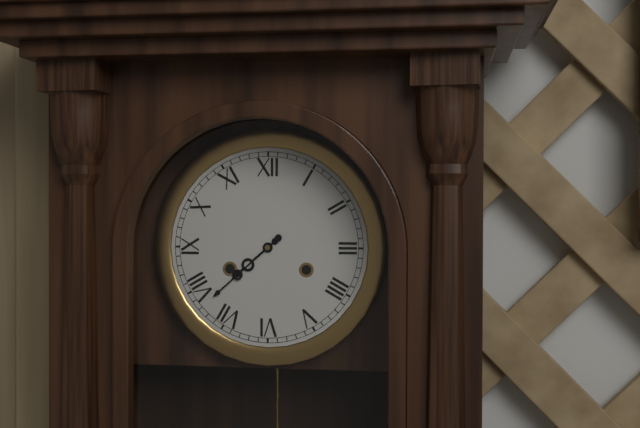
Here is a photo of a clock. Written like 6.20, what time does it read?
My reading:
7.38
